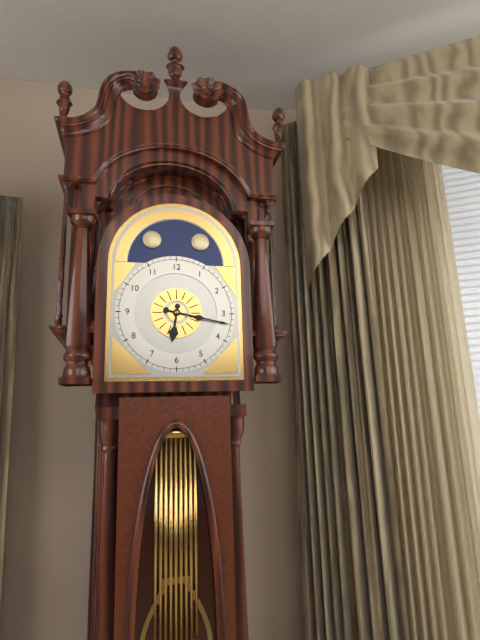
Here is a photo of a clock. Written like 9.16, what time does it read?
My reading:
6.17
